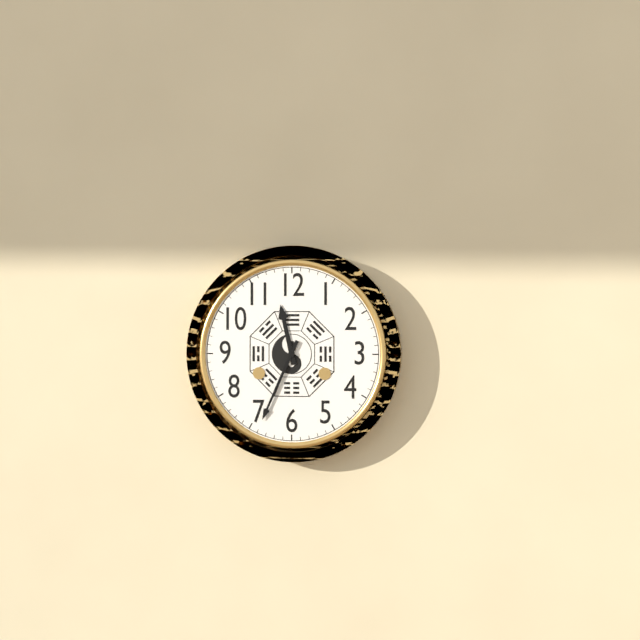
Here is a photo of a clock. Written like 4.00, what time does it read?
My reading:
11.34
